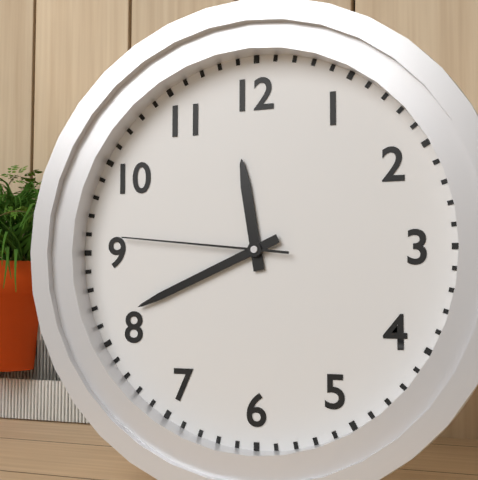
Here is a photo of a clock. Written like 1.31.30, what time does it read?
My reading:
11.41.46
